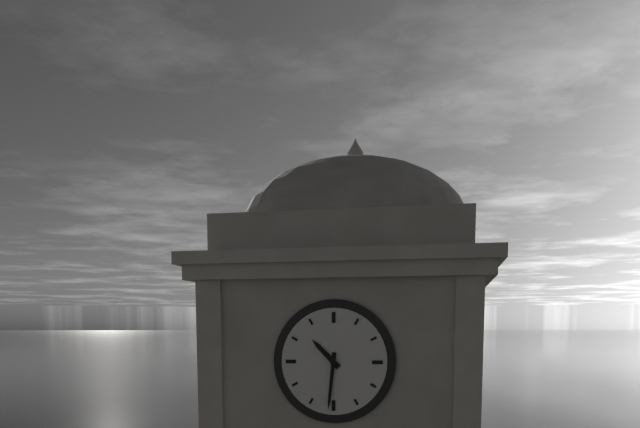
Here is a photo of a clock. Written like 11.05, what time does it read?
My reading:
10.31
